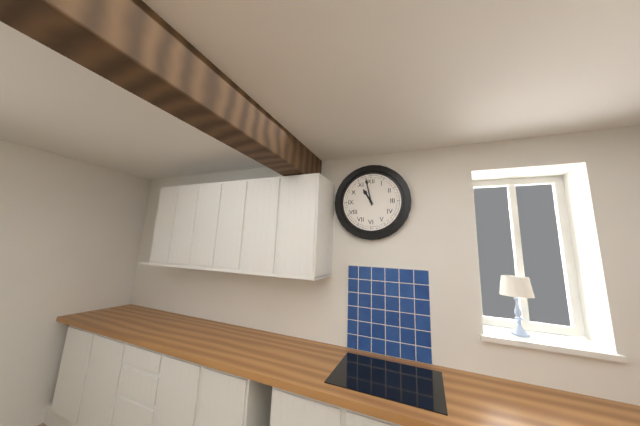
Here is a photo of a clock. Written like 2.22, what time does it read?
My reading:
10.58
